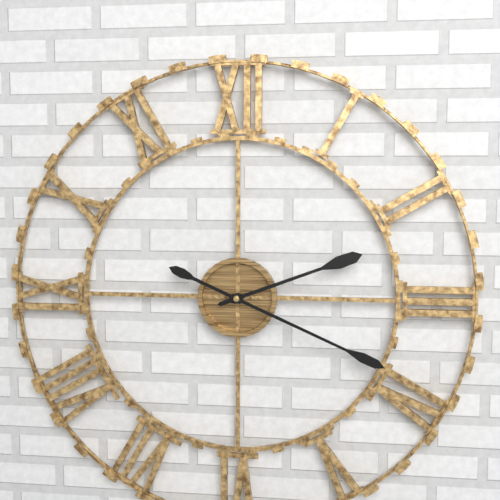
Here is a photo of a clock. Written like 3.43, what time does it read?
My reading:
2.19
